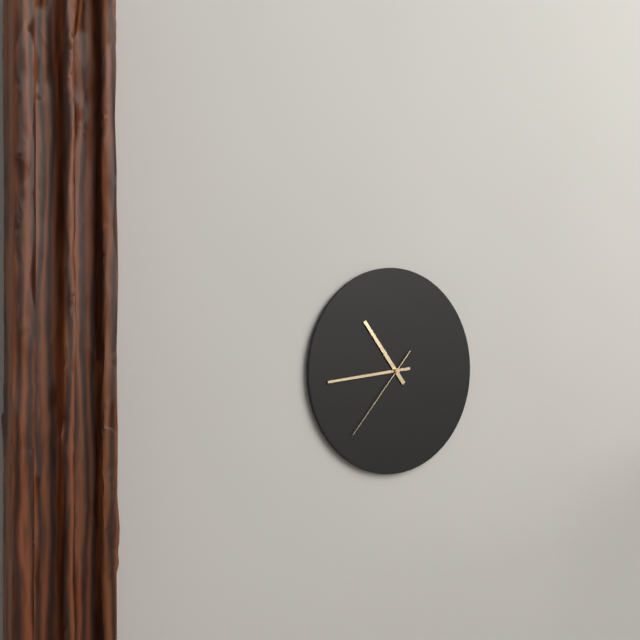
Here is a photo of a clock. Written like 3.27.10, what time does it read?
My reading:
10.44.37
